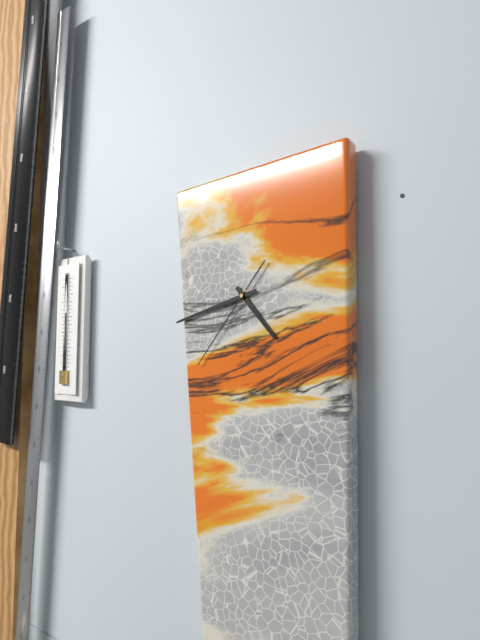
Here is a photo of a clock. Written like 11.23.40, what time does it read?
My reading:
4.43.37
